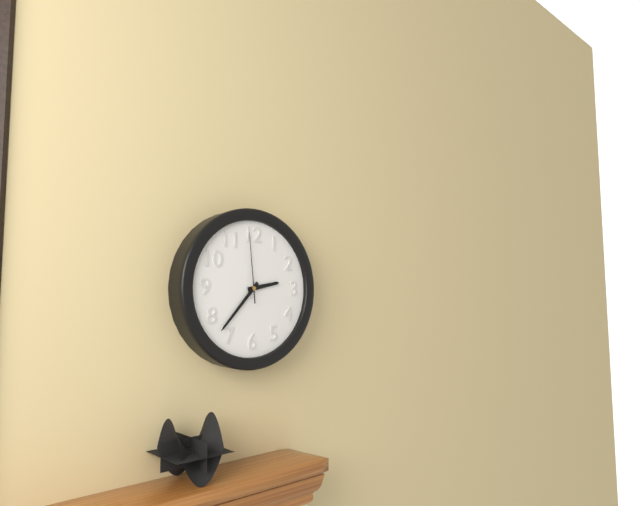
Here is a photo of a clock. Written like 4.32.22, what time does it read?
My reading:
2.37.59
